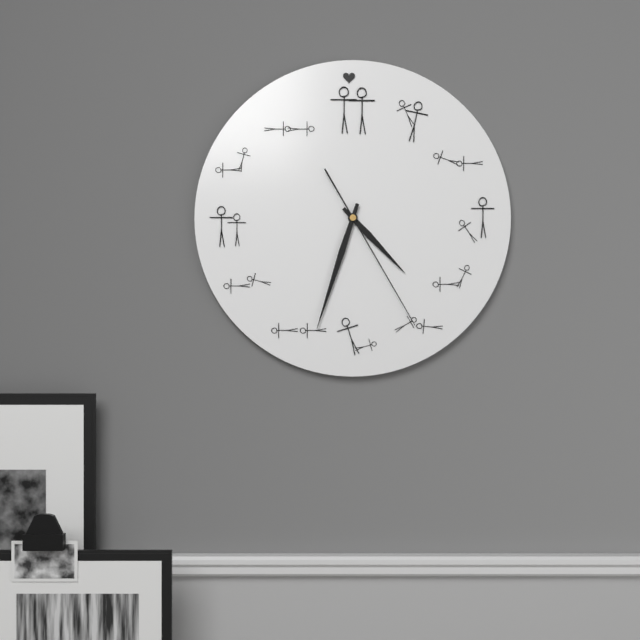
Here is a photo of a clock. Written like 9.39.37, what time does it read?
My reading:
4.33.25
